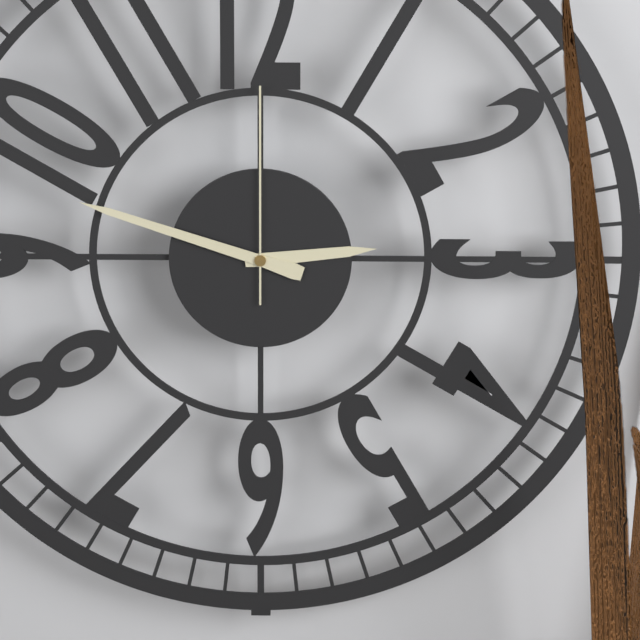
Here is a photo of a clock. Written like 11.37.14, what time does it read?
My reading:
2.48.00
